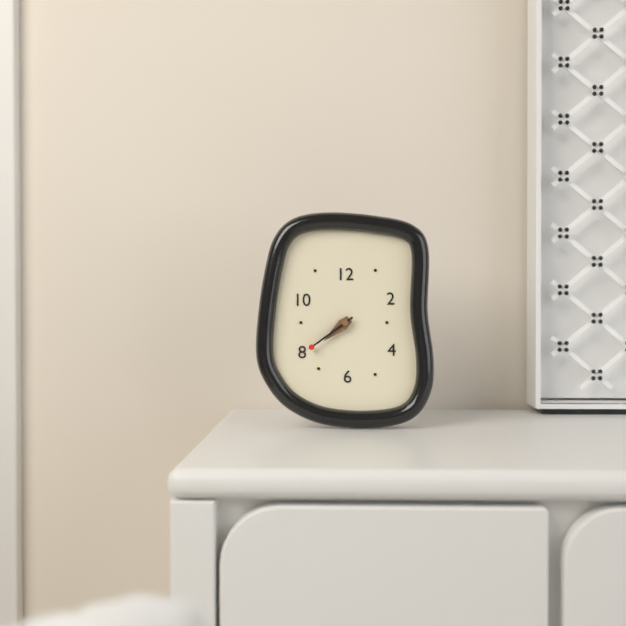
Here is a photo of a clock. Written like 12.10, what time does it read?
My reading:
7.39
